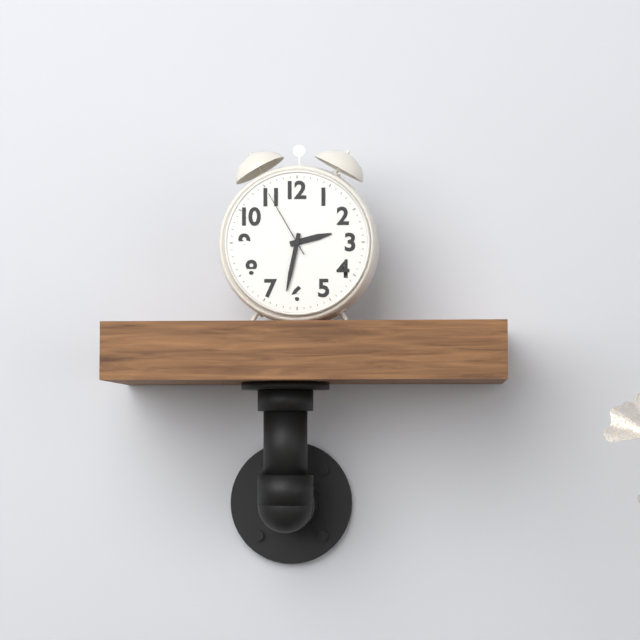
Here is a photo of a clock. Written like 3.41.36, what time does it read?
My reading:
2.32.55
